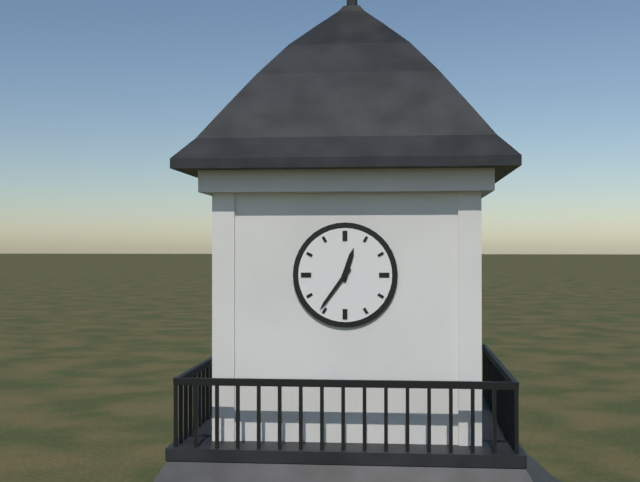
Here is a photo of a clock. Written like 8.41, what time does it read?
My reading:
12.36
